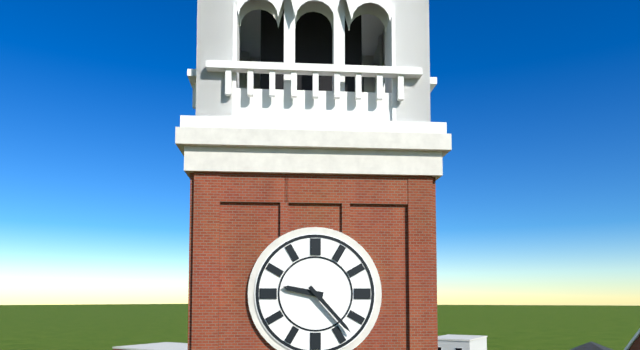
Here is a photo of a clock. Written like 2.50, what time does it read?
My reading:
9.23
